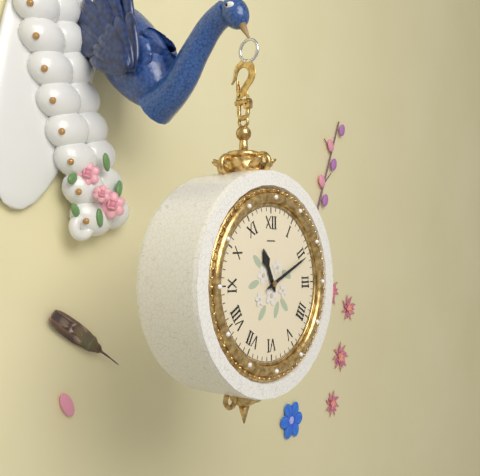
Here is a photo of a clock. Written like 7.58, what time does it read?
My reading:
11.11
